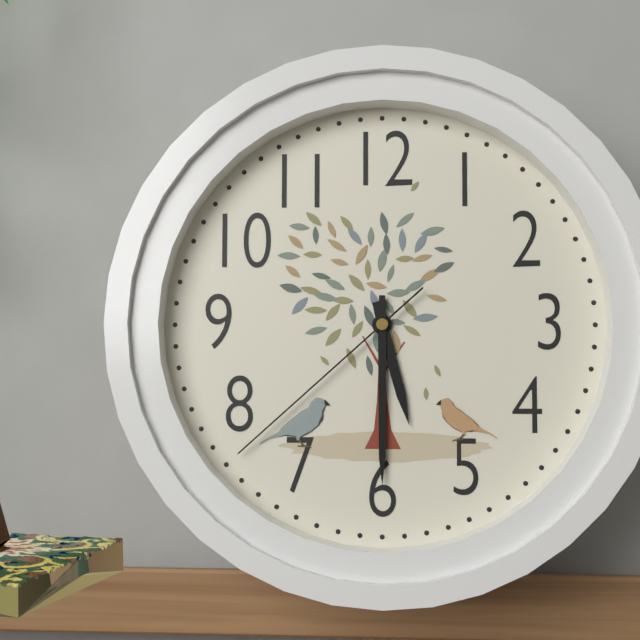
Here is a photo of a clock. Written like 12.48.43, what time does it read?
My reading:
5.30.38
